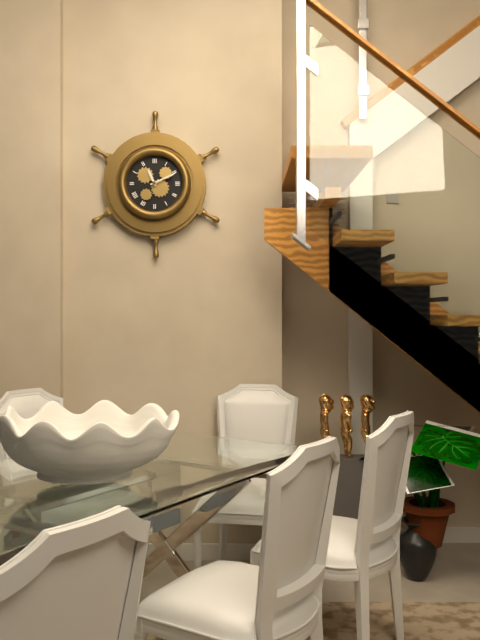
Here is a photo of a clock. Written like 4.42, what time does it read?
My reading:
11.11
